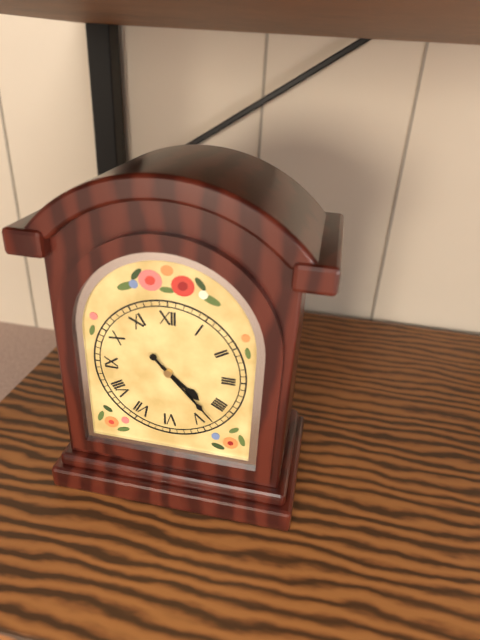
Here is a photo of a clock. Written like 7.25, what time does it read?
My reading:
4.23
